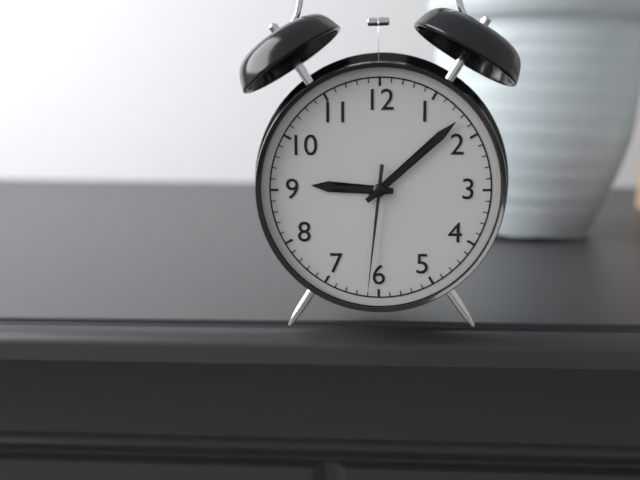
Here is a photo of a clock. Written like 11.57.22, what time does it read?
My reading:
9.08.31
